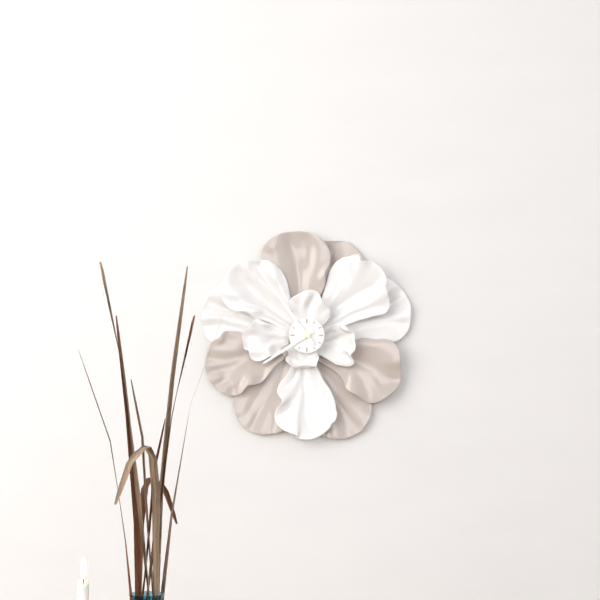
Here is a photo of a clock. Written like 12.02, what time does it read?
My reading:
7.54
